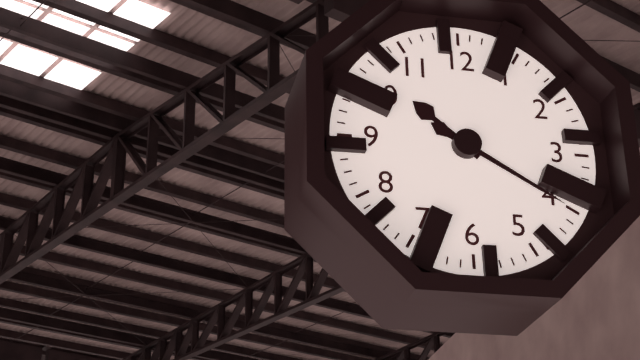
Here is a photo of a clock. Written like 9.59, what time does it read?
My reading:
10.20
